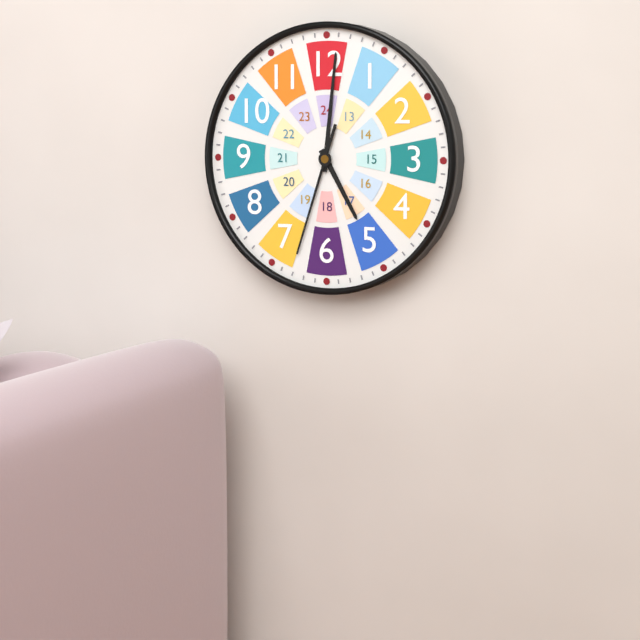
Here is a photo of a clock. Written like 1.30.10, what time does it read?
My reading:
5.01.33
